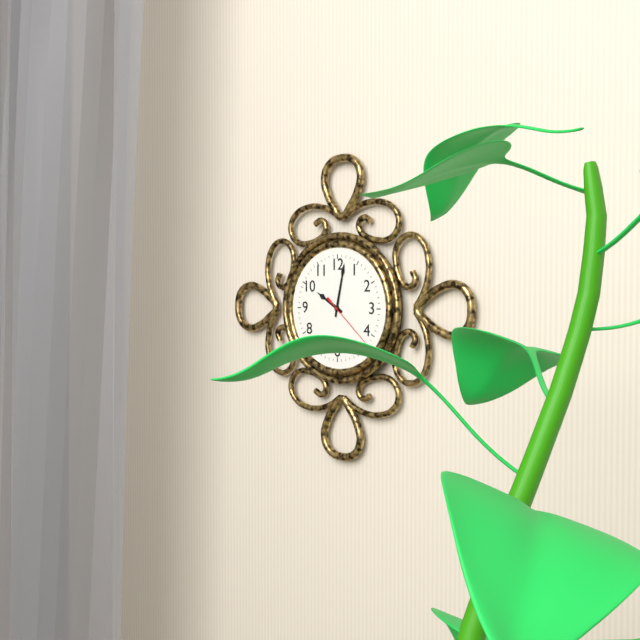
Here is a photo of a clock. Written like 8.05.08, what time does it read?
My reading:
10.02.22
